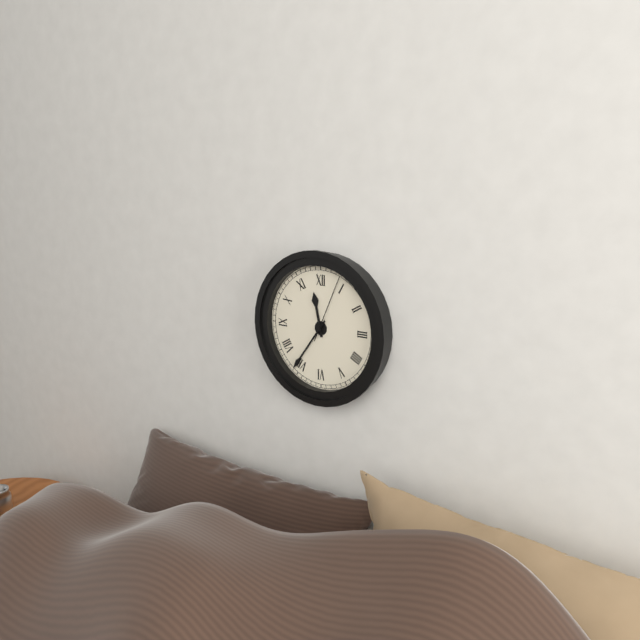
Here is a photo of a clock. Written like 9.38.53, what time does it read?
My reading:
11.36.04
